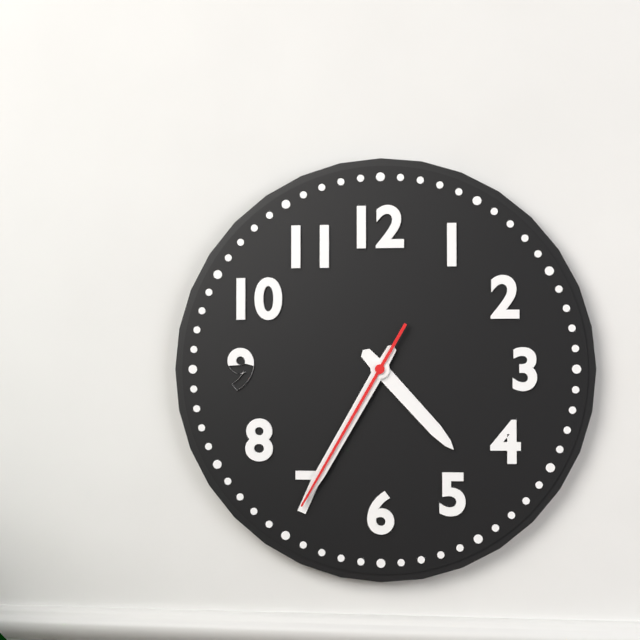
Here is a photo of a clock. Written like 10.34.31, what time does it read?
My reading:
4.35.35
